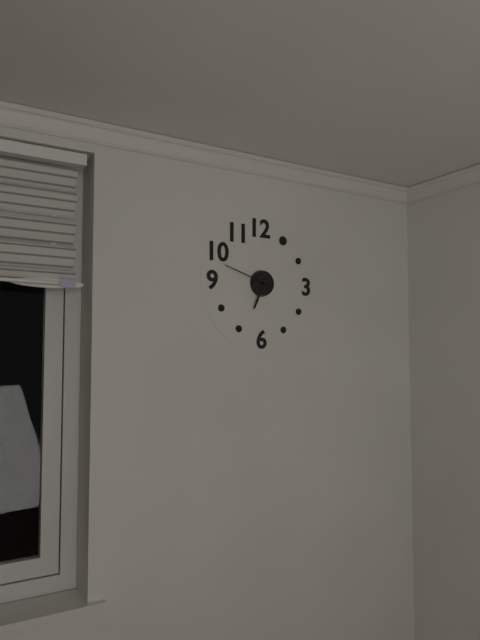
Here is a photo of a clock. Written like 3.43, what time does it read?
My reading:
6.48
